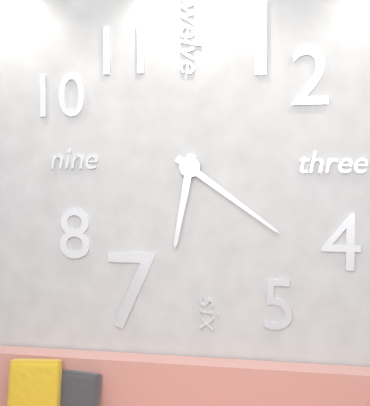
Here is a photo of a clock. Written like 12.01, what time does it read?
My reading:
6.21
